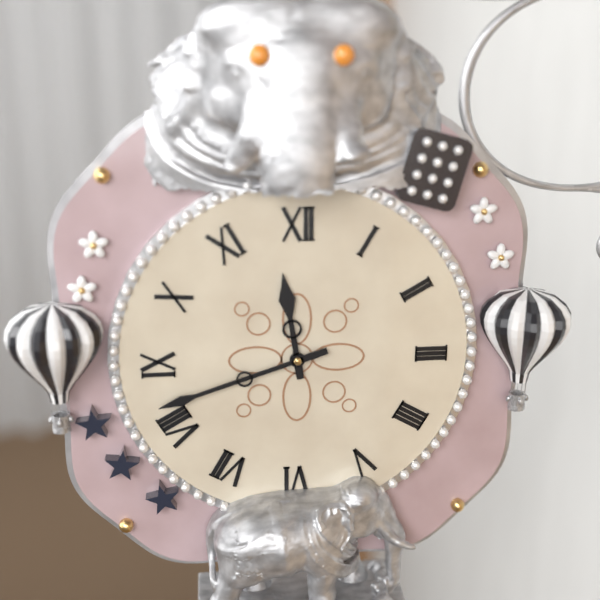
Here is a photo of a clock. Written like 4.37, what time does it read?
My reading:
11.42
